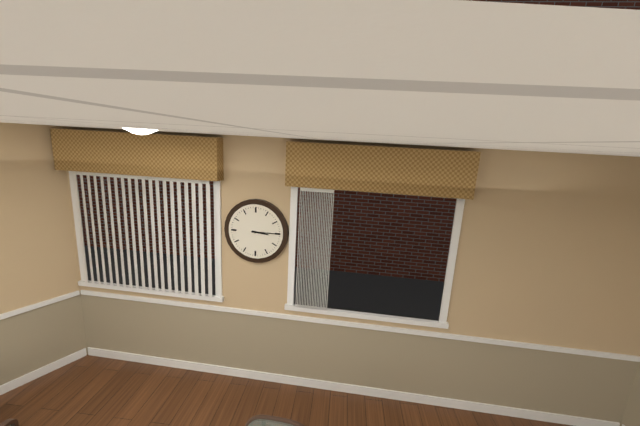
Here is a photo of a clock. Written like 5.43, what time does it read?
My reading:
3.15
